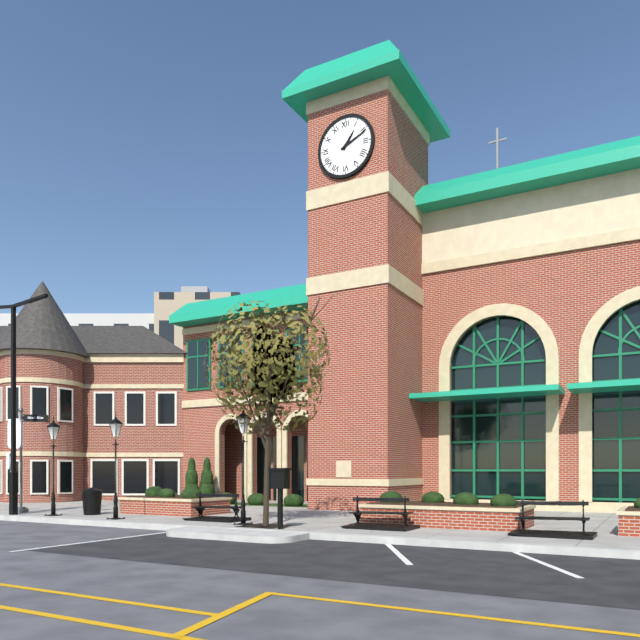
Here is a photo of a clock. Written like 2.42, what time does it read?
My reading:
1.11
